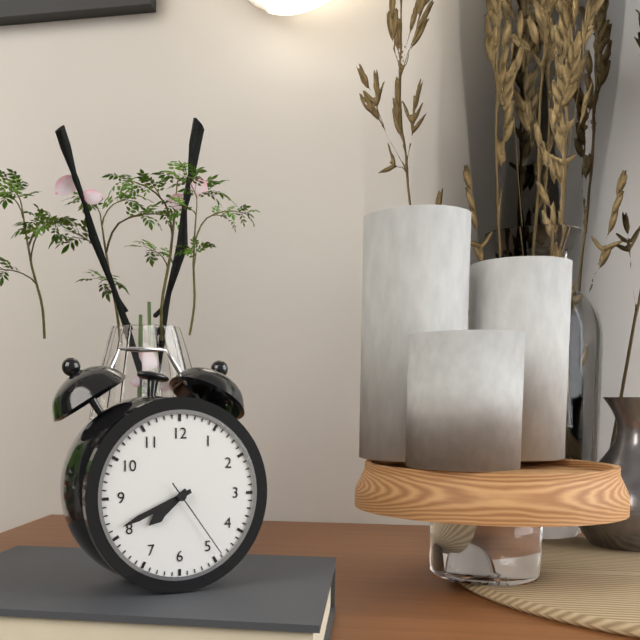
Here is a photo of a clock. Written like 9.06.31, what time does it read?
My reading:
7.41.24
